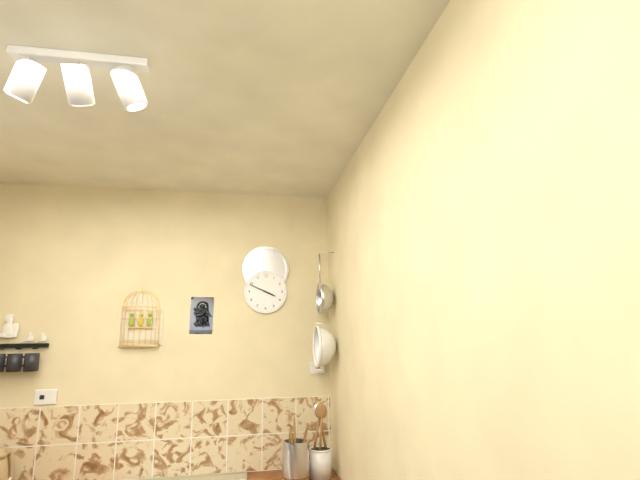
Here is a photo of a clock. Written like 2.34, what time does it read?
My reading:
3.49
